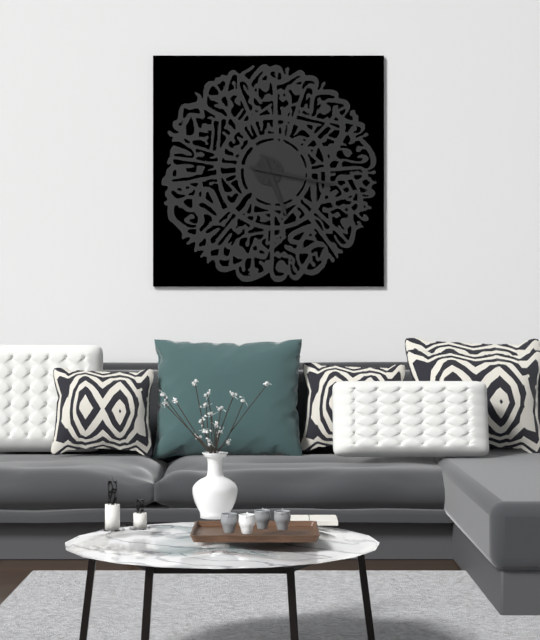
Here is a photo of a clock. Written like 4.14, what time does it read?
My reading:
5.17
